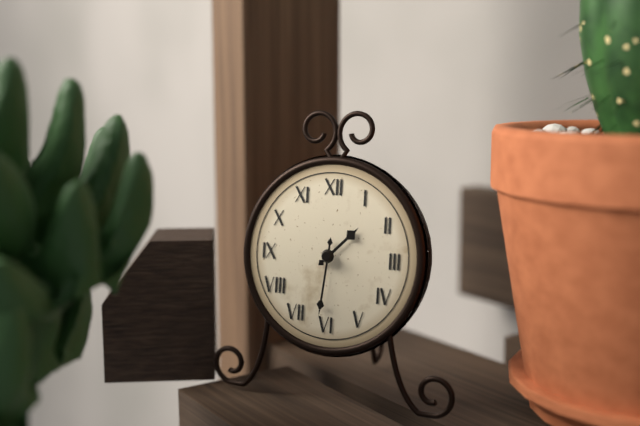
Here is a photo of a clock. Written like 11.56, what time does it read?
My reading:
1.31
